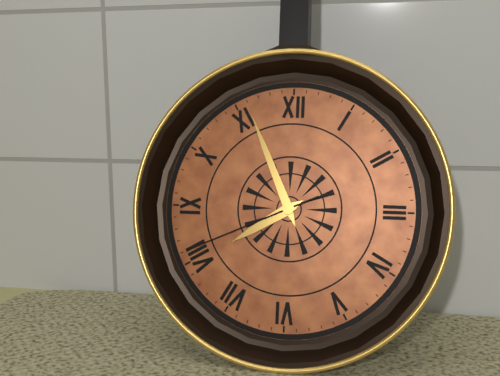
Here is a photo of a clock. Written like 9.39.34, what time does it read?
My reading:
7.56.41
